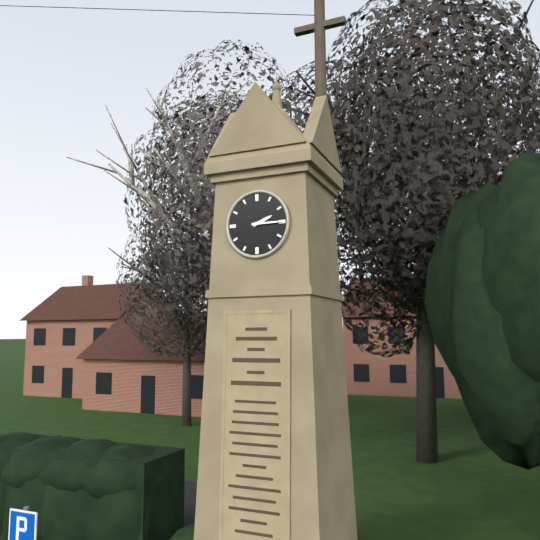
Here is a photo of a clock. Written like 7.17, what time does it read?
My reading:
2.15
